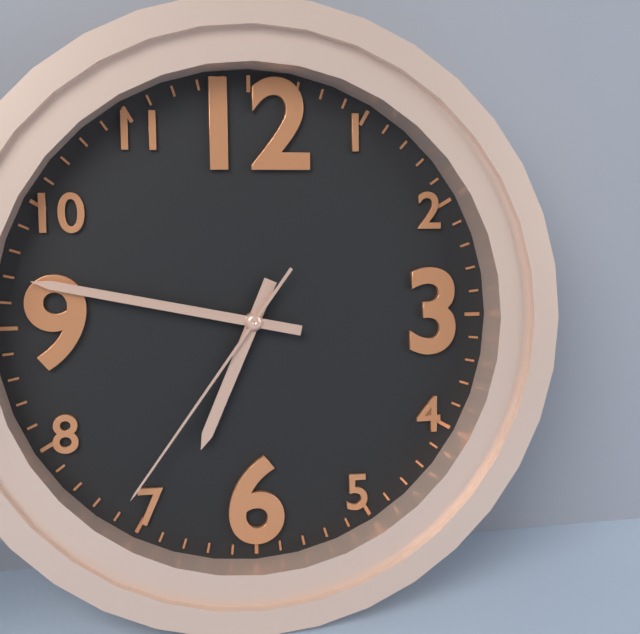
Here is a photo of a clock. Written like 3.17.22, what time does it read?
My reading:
6.47.36
